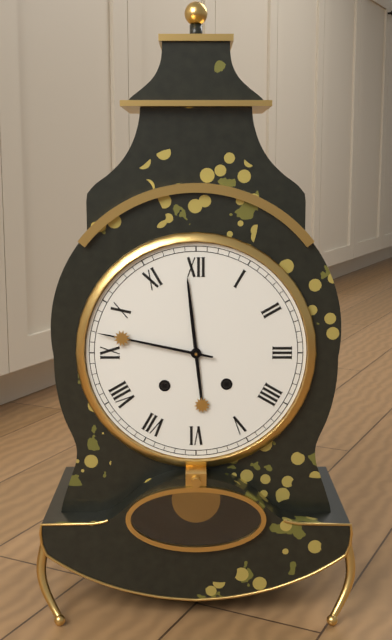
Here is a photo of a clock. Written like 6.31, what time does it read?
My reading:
11.47
